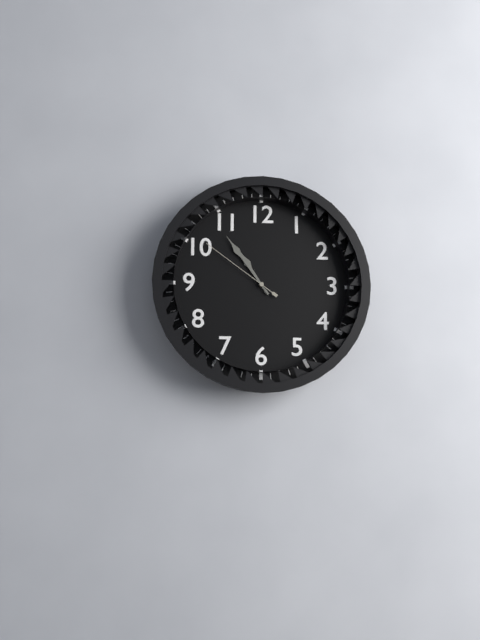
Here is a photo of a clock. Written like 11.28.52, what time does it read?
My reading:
10.54.51
